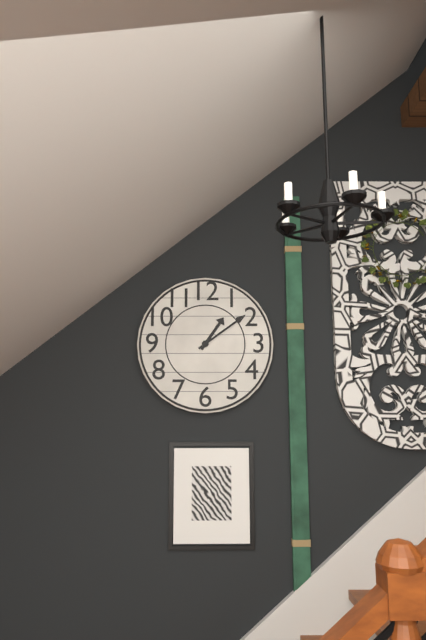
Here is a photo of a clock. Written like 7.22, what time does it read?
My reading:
1.09
